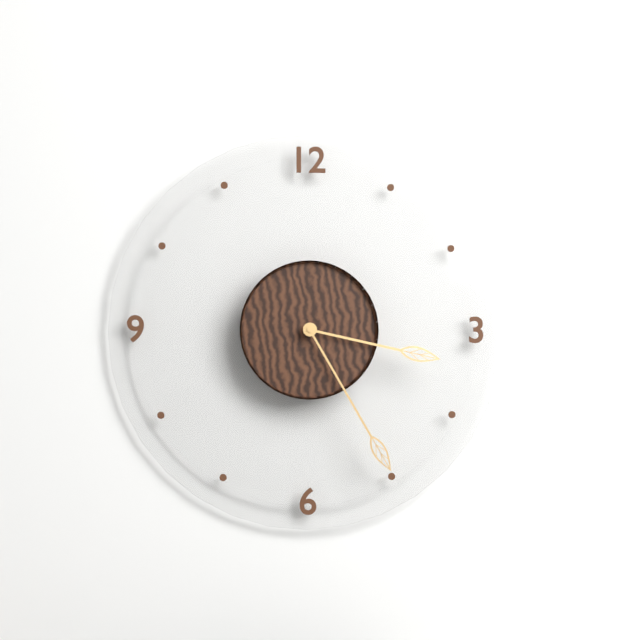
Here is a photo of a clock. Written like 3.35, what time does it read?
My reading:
3.25
